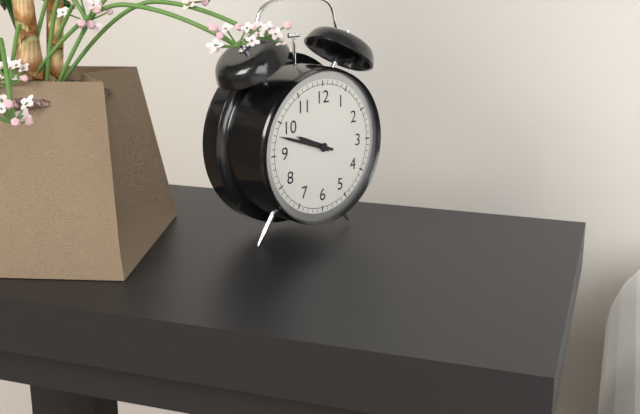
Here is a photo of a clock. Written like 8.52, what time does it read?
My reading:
9.48
